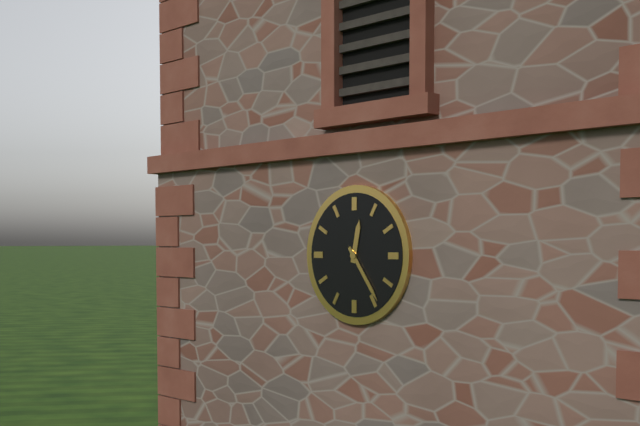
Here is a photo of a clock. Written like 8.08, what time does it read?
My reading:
12.24
